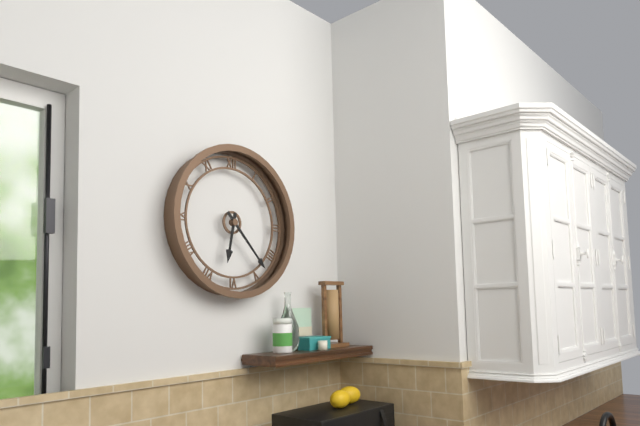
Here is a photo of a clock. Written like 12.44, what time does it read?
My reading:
6.23
